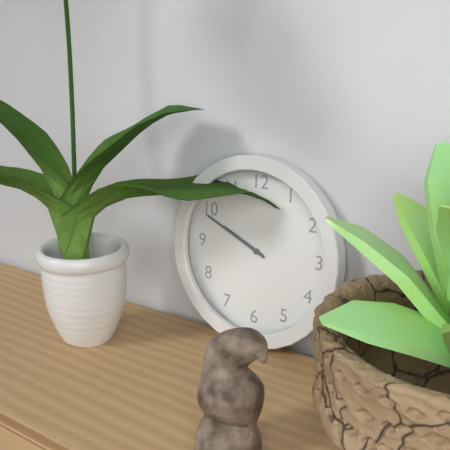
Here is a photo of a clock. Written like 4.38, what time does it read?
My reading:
9.49
